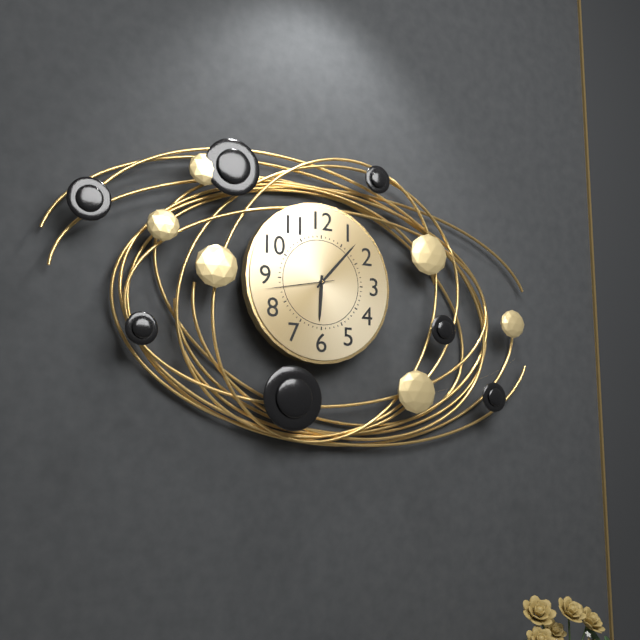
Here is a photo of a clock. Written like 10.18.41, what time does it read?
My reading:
6.07.43
